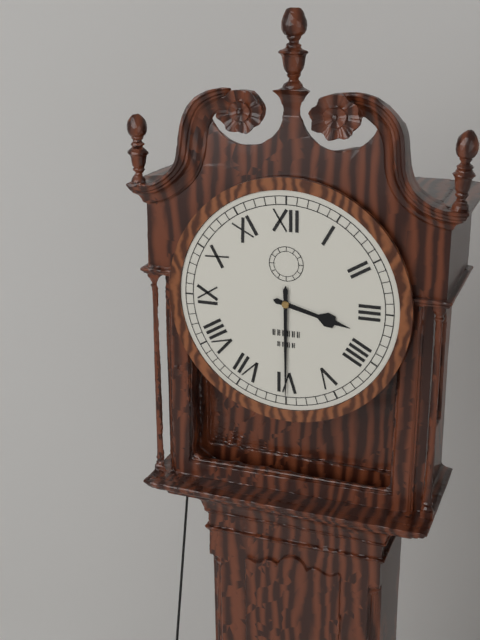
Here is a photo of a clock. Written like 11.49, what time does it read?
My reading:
3.30
